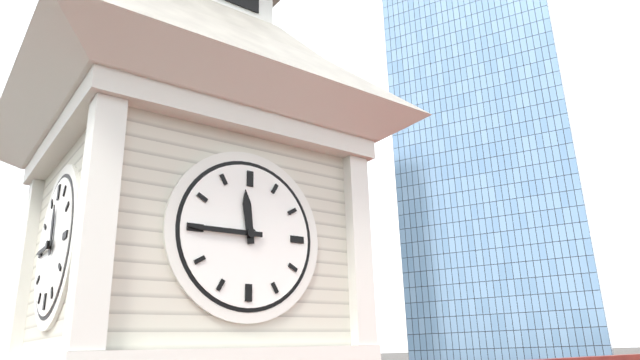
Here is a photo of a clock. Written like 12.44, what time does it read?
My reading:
11.45
